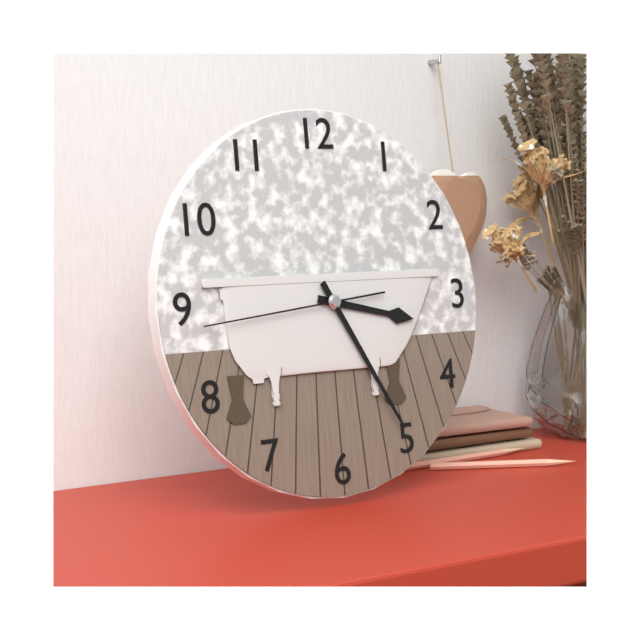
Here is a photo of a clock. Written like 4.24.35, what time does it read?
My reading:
3.25.44
